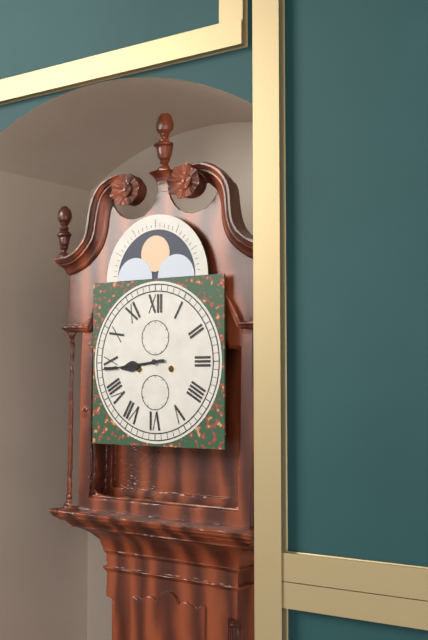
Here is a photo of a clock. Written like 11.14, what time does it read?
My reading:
8.44
